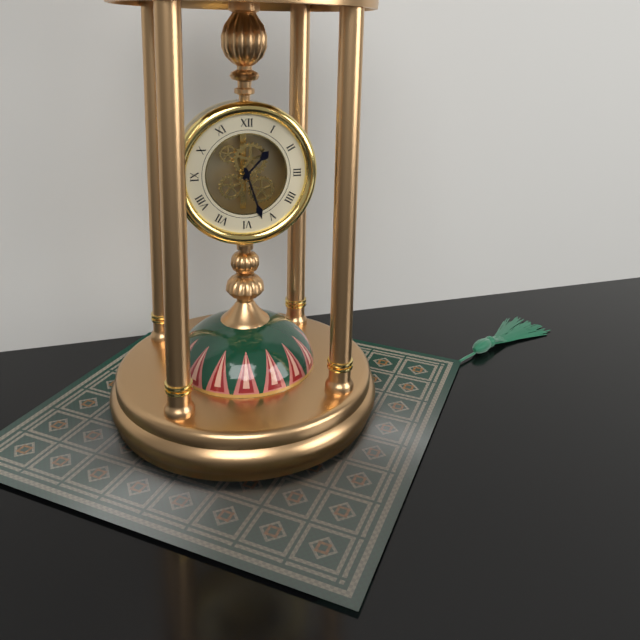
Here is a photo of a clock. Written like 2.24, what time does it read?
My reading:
1.27
